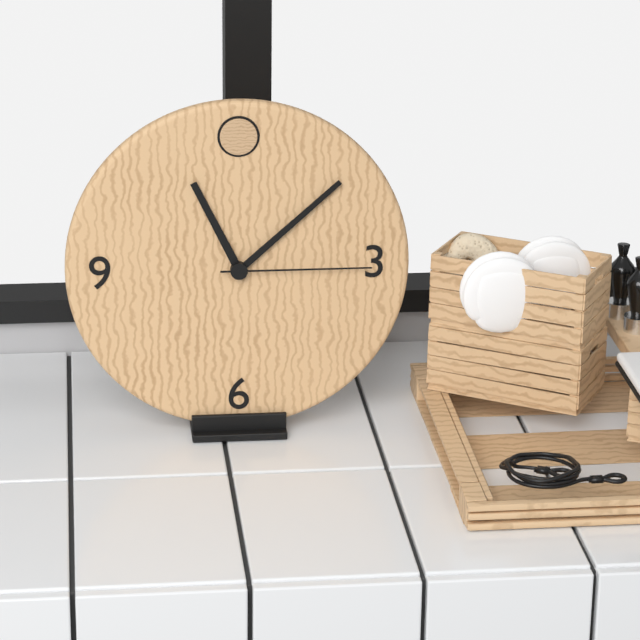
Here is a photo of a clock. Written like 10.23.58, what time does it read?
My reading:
11.08.15
